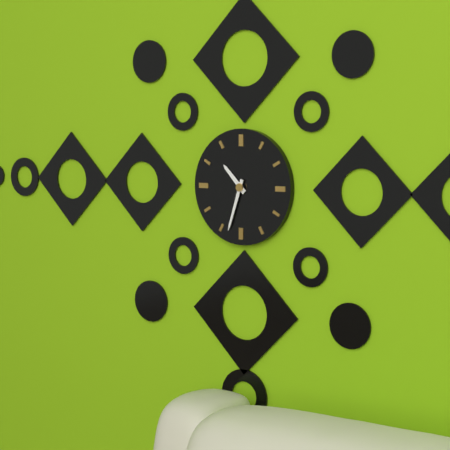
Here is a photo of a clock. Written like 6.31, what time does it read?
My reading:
10.33
